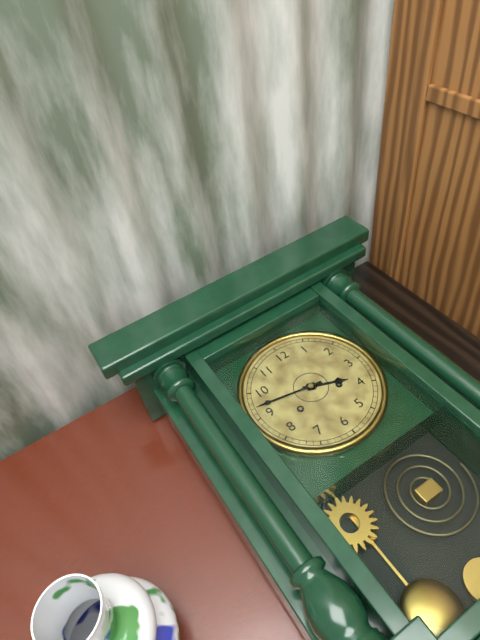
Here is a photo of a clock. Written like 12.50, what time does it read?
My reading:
3.47
